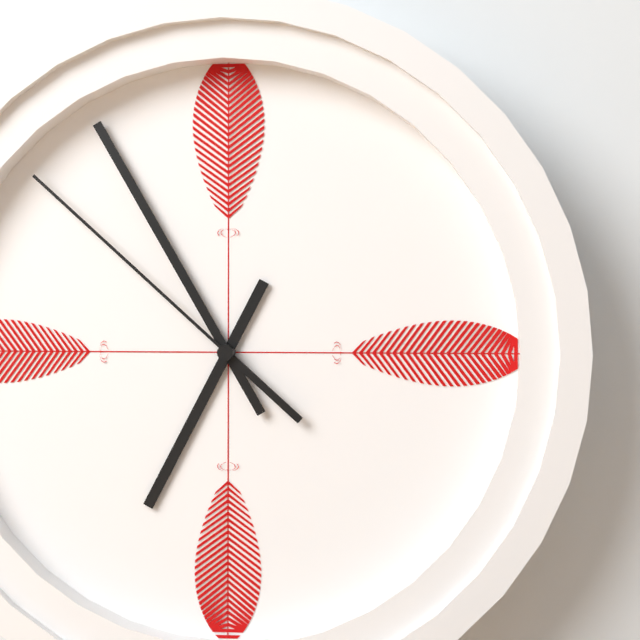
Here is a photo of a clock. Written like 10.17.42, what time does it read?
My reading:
6.55.52
